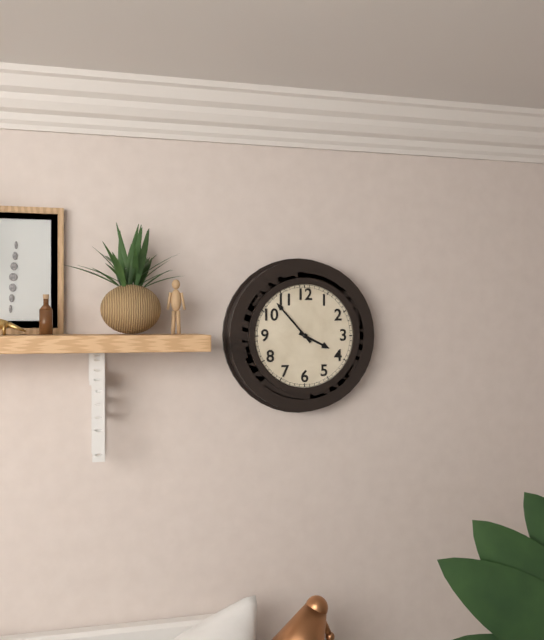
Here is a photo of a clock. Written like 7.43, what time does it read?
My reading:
3.53
